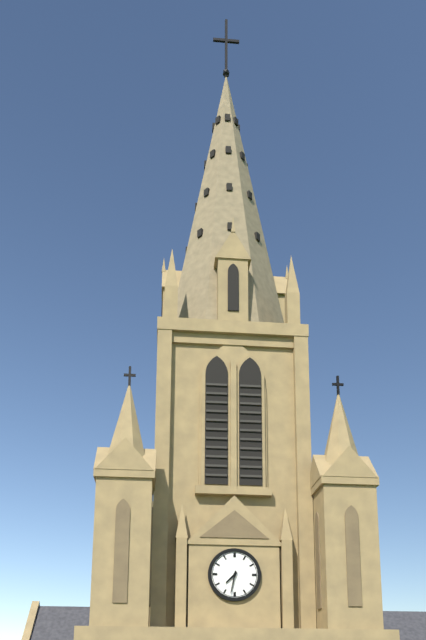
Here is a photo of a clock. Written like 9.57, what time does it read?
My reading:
7.32
